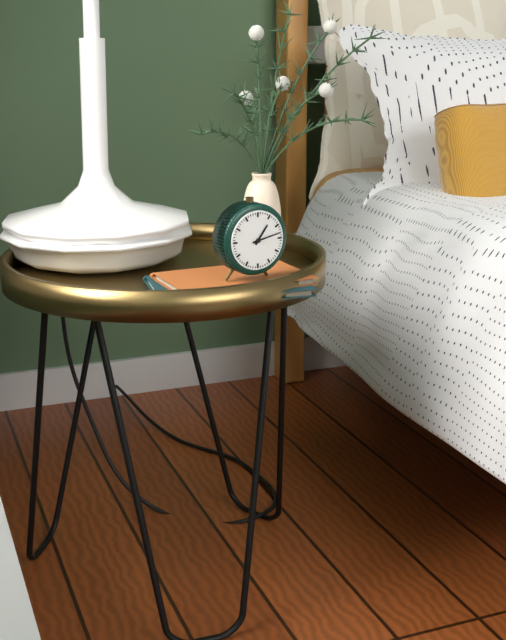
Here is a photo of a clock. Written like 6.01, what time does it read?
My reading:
1.13
